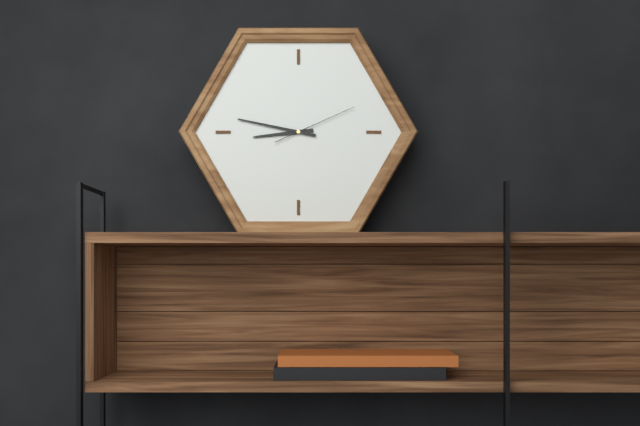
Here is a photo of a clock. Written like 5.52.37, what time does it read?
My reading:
8.47.11
